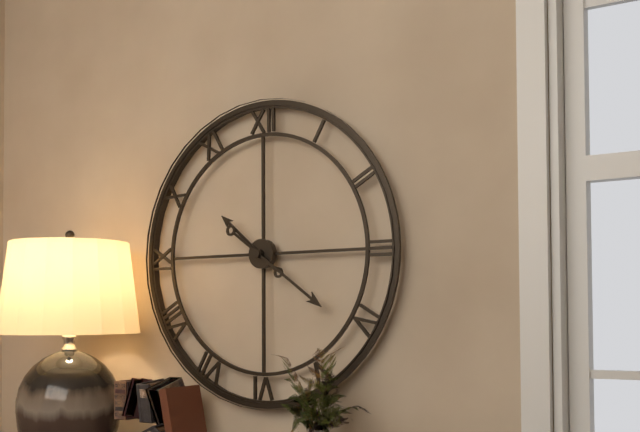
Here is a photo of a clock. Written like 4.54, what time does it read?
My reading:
10.21
